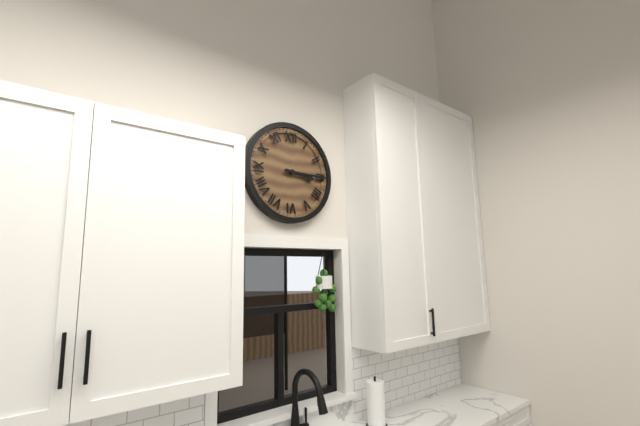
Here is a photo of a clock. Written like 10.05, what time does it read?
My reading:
3.15
